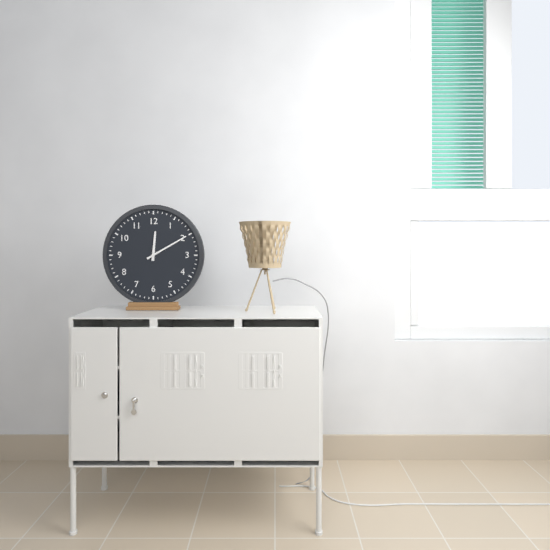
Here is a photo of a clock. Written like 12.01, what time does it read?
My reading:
12.10
